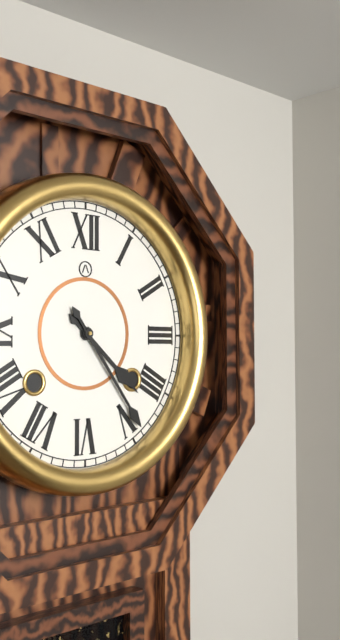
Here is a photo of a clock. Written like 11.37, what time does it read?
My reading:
4.24
